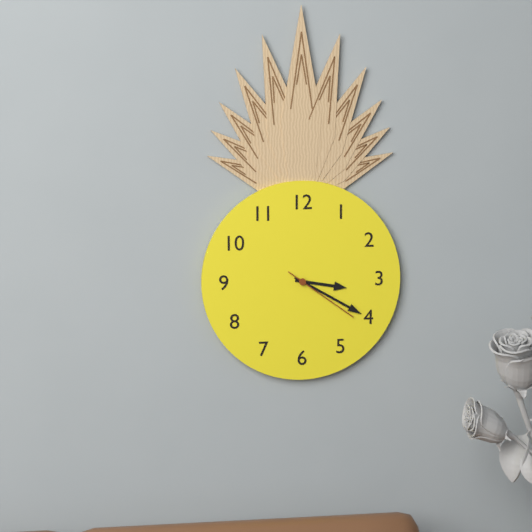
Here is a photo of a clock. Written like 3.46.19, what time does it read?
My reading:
3.20.21
